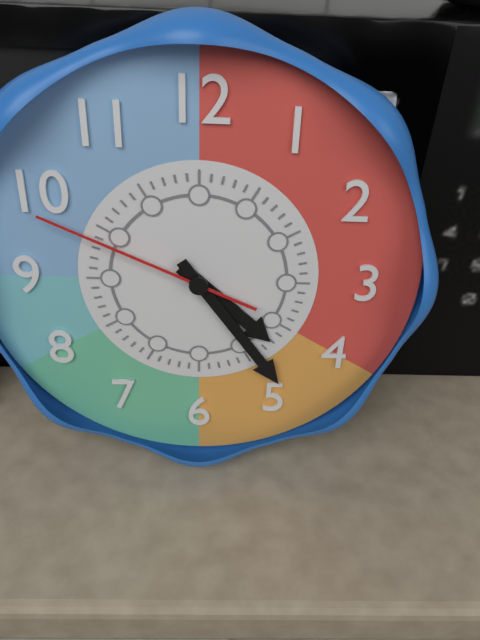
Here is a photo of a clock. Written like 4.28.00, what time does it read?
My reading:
4.24.49
